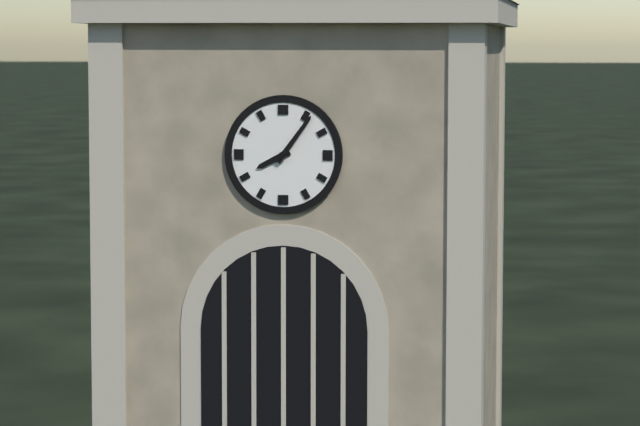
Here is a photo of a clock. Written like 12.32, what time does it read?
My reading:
8.06
